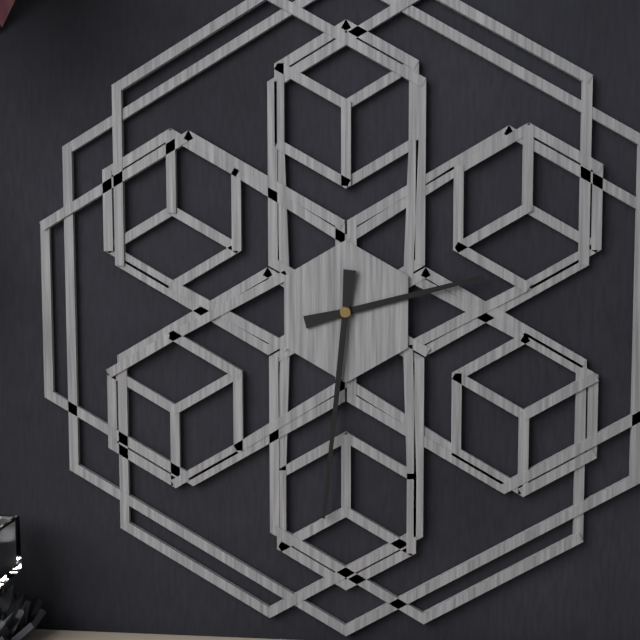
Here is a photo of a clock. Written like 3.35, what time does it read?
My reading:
2.31
